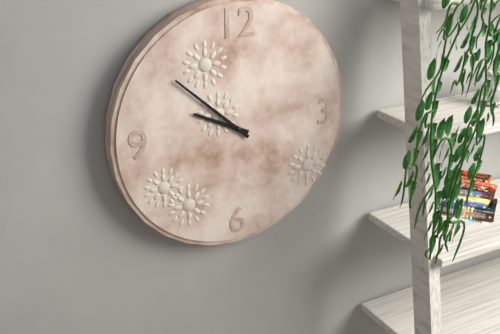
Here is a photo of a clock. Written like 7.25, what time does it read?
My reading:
9.52
